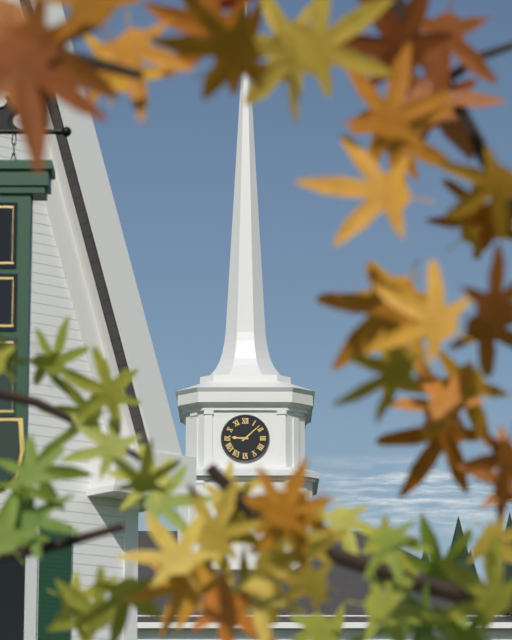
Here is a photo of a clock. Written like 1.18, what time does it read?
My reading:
9.08
